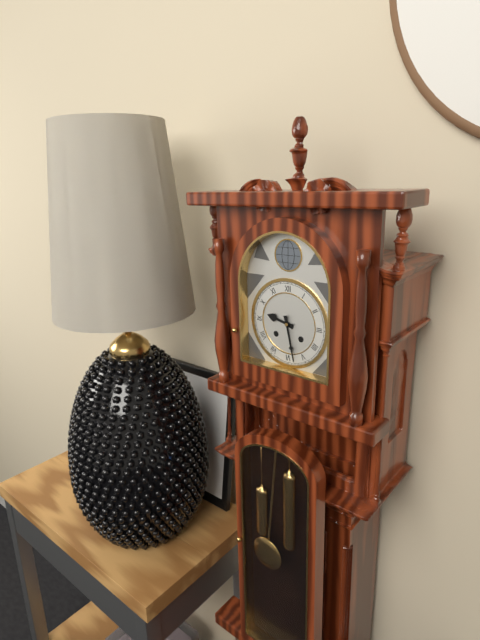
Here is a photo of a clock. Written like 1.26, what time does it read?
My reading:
9.28
